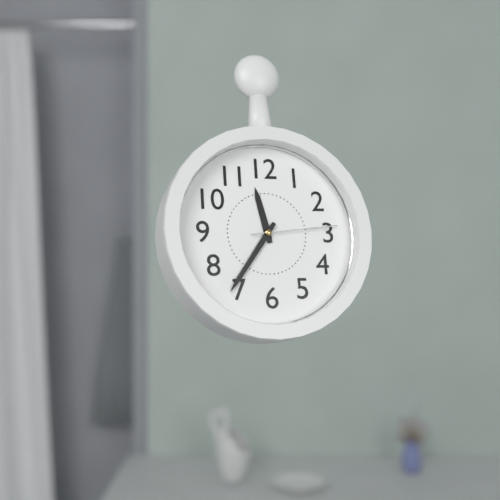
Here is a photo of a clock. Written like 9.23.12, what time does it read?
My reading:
11.36.14
